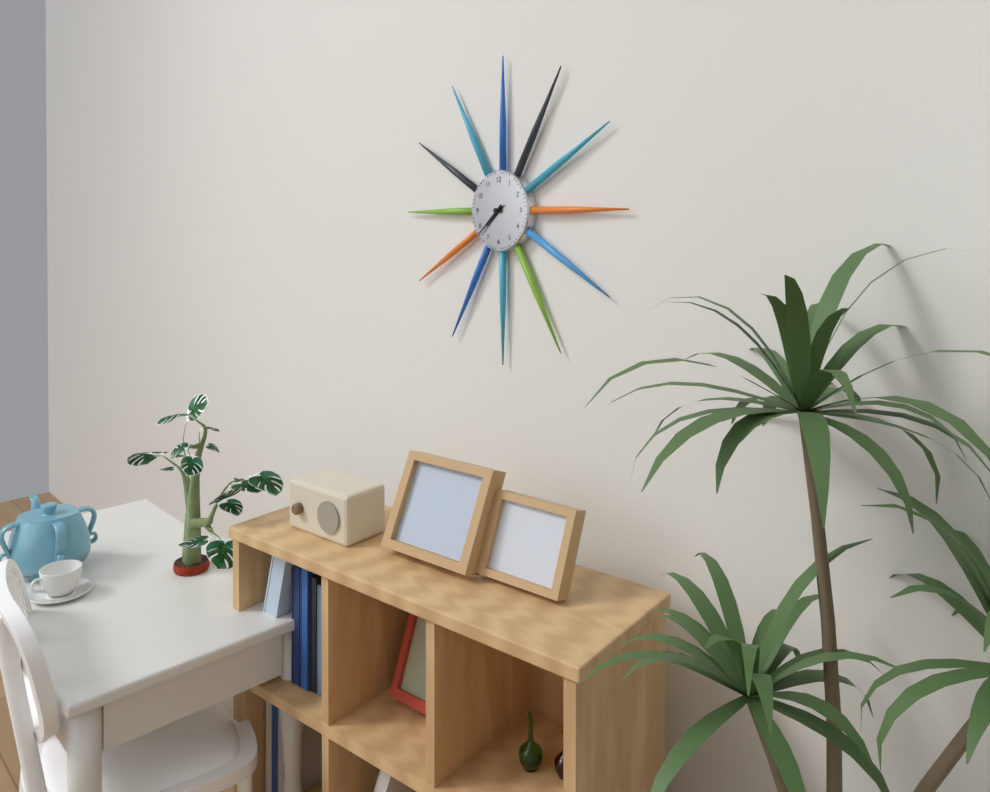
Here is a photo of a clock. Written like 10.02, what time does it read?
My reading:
7.38
